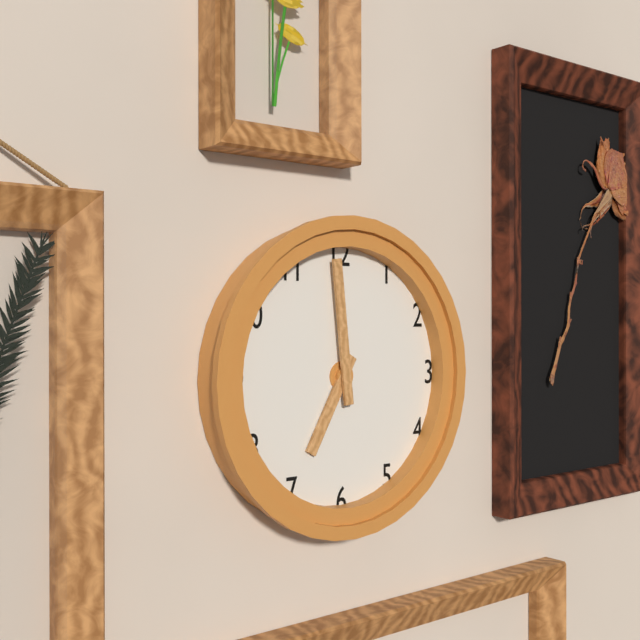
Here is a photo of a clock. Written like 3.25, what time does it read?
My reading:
6.59
